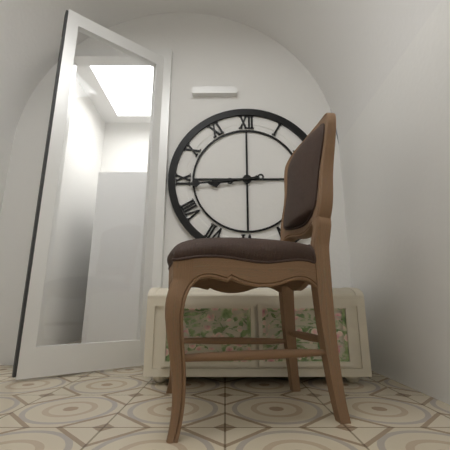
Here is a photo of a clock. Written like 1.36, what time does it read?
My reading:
8.44
